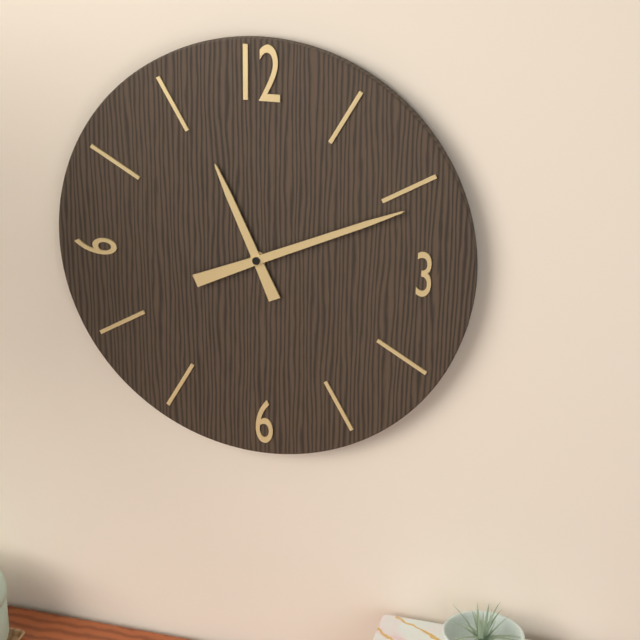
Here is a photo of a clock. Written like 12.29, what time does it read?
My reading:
11.11
